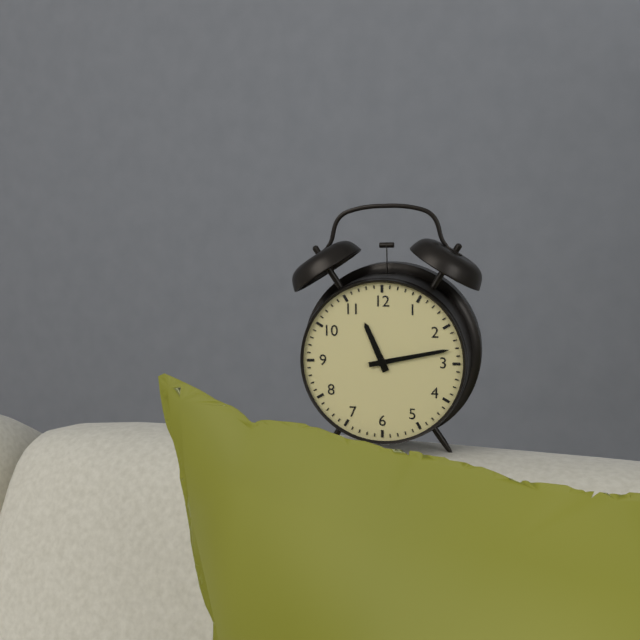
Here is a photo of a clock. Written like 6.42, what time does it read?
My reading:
11.13
